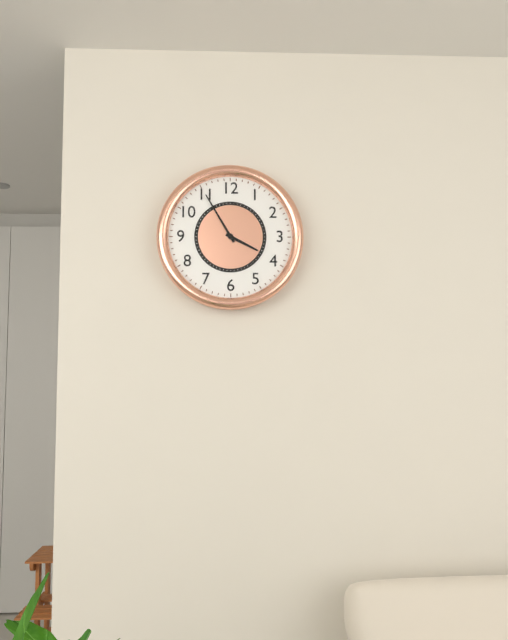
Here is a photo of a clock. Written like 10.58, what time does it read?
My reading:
3.55
